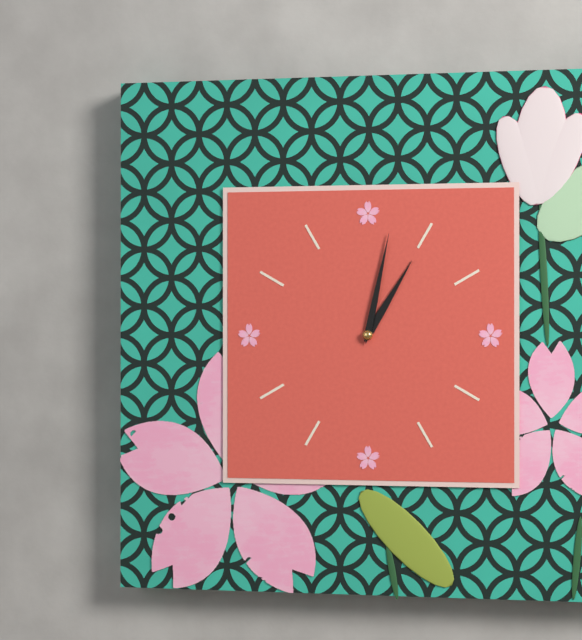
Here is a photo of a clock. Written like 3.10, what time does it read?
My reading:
1.02
